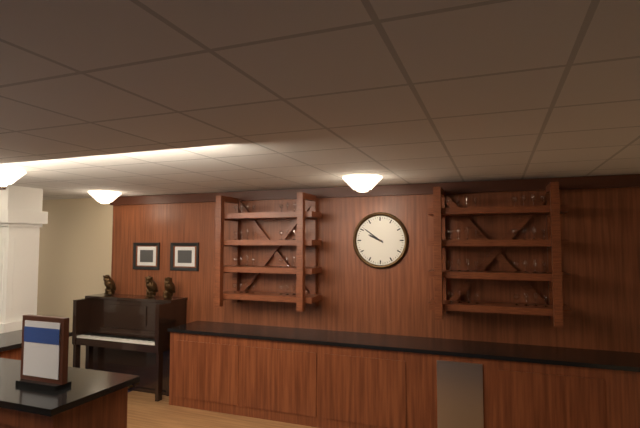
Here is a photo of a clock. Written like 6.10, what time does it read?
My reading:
9.51
